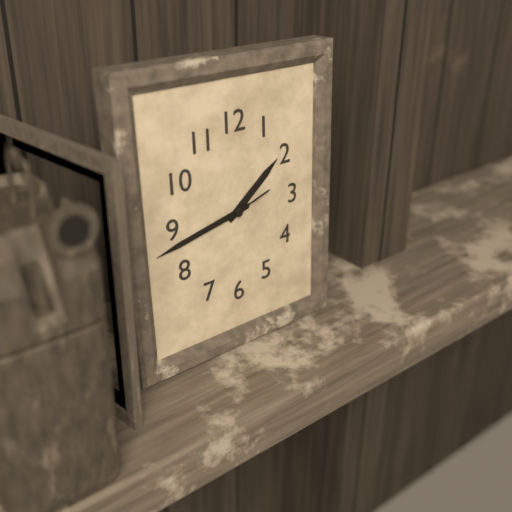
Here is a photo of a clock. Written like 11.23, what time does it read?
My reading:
1.43
